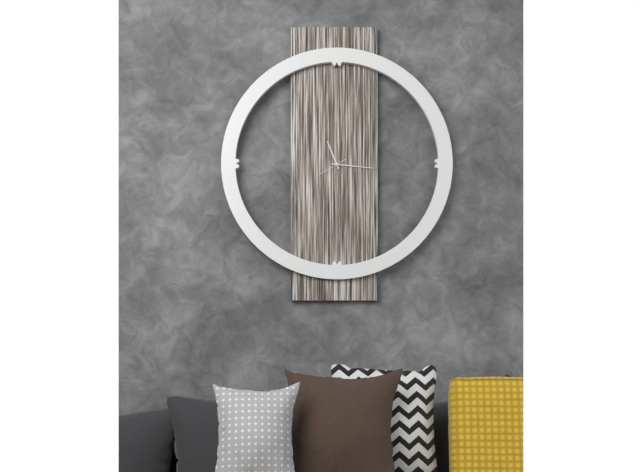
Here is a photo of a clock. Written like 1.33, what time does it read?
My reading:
11.16
